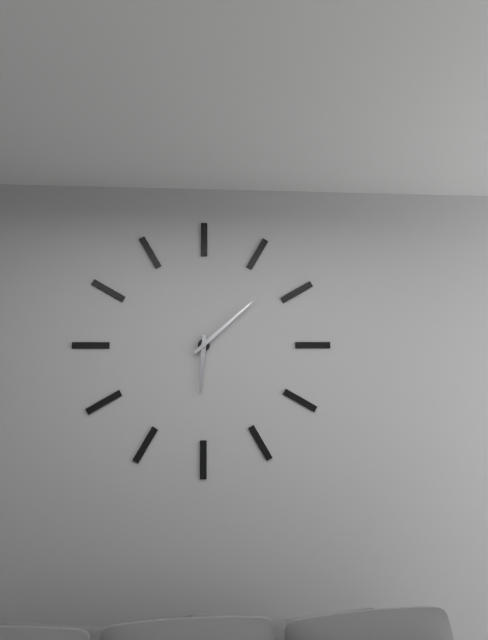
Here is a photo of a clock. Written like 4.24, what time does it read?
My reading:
6.08
